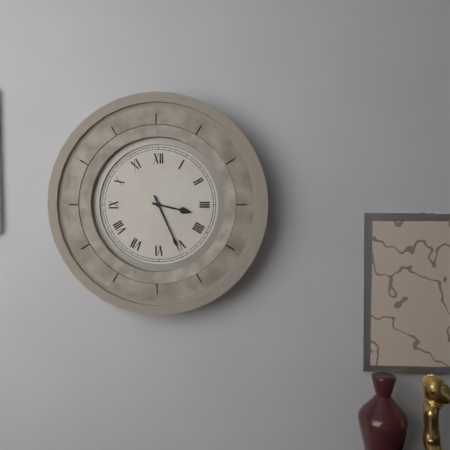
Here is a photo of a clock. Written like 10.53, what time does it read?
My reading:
3.26
